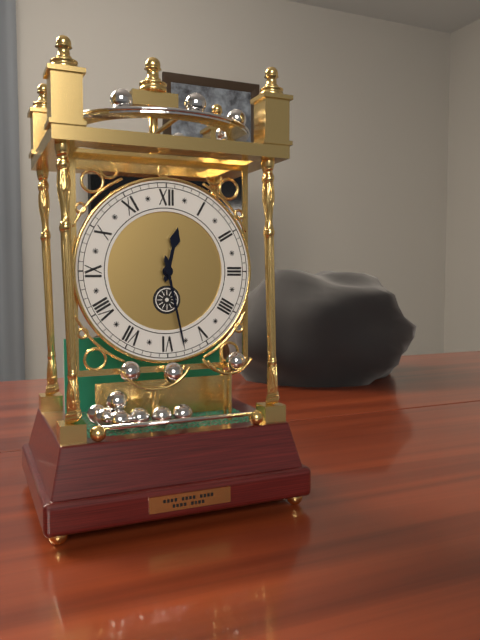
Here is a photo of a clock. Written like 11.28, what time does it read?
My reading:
12.28
